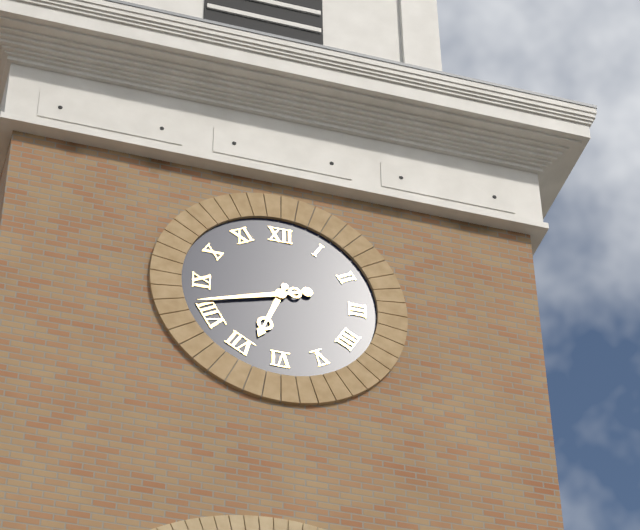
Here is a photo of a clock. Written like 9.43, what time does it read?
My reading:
6.42
